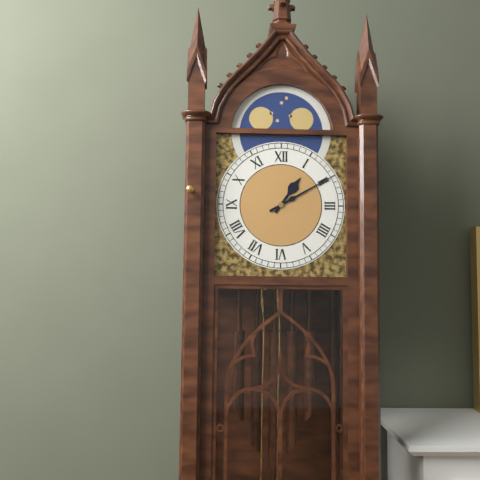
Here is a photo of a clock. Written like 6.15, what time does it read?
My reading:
1.10
